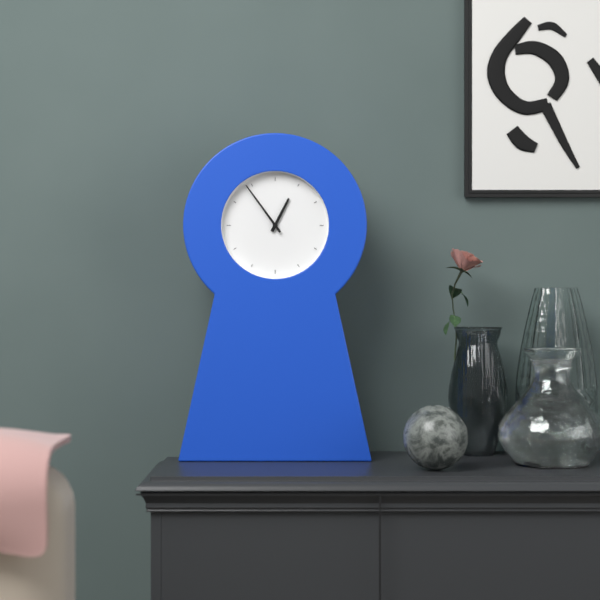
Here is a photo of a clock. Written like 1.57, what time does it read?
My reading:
12.54
